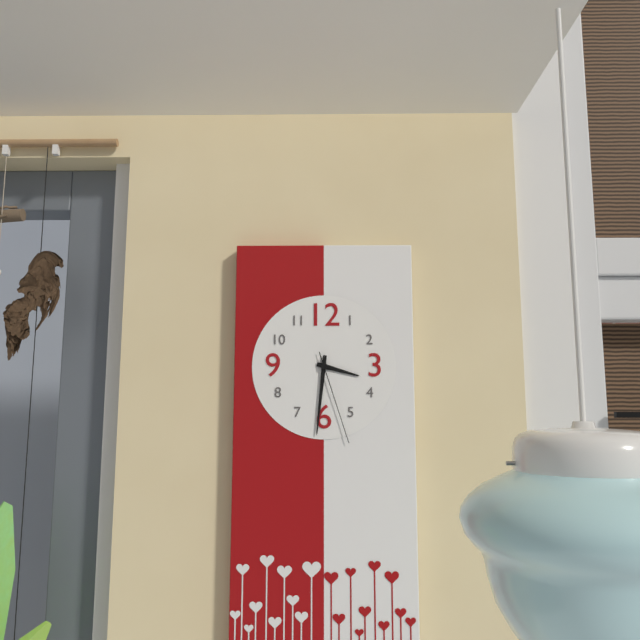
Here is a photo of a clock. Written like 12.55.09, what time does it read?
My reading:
3.31.27
